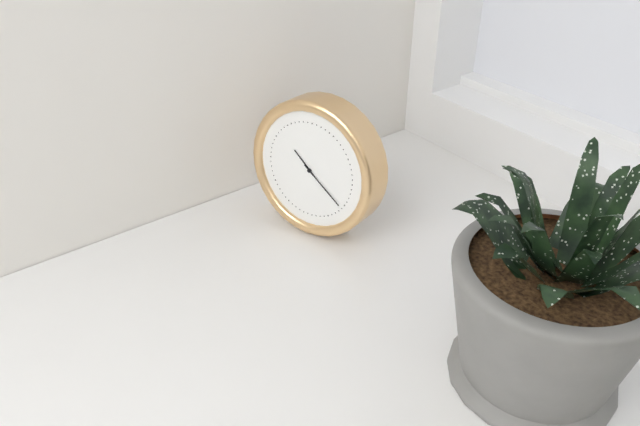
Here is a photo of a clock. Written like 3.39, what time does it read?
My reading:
10.21
